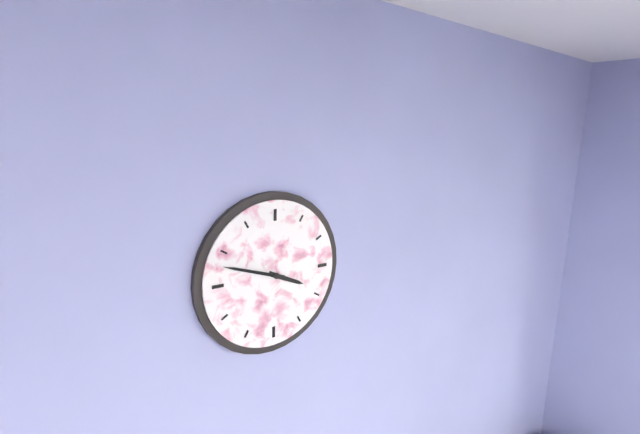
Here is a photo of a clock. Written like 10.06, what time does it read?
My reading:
3.48
